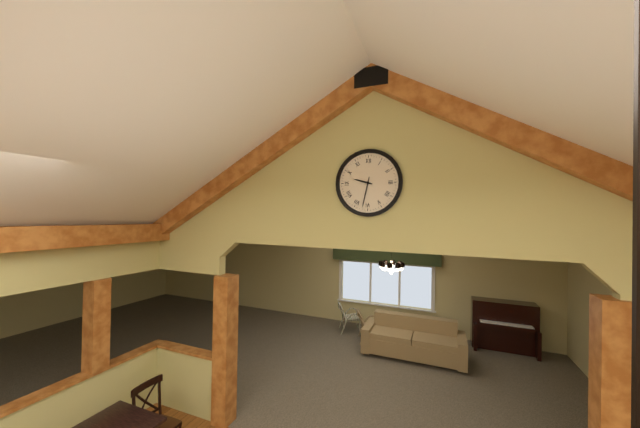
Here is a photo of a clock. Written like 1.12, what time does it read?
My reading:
9.32
